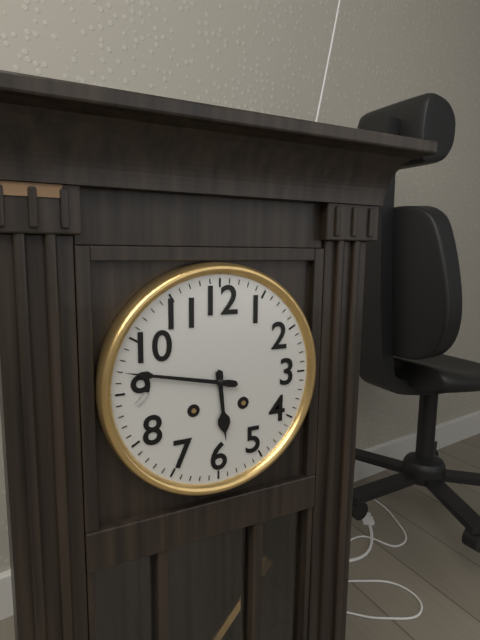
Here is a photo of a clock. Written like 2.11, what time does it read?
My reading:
5.47
